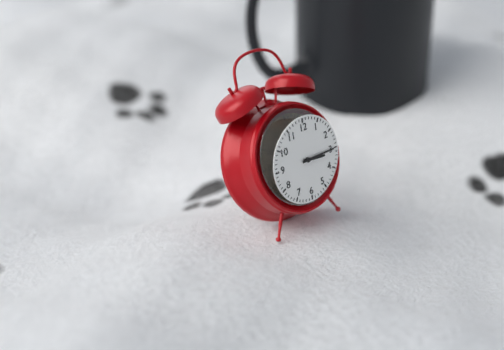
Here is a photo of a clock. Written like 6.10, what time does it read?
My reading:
3.15
